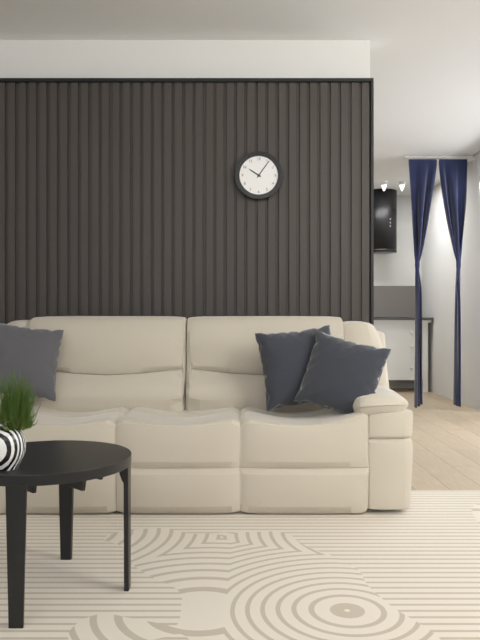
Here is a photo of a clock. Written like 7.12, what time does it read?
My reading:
10.06
